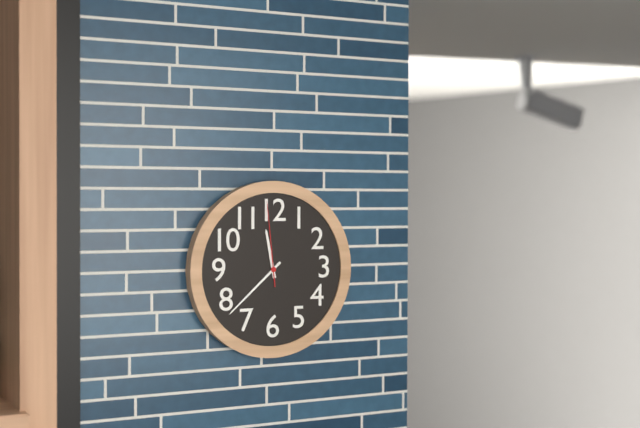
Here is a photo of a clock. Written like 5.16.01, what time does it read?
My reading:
11.38.59
